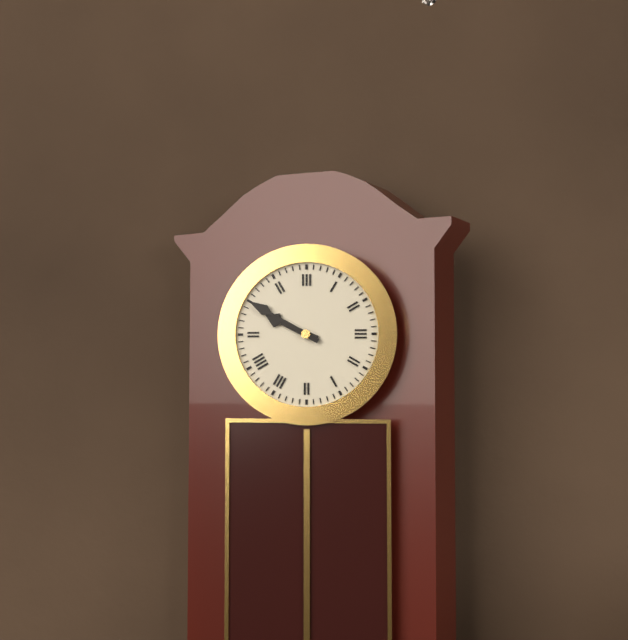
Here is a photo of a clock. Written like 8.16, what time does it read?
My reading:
9.50
